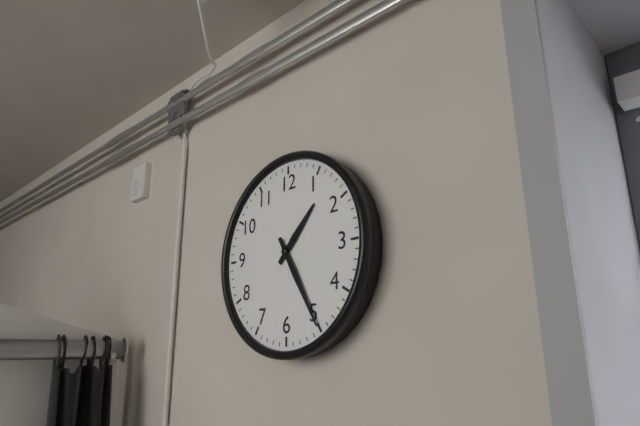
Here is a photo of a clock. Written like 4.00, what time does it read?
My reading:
1.25
